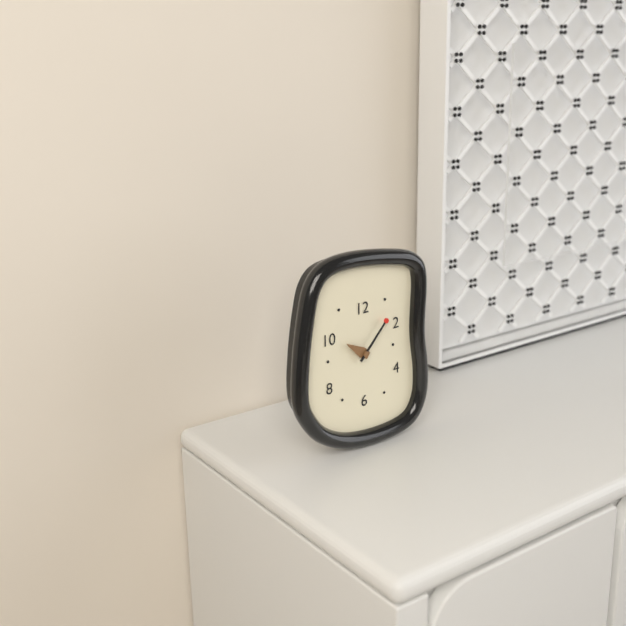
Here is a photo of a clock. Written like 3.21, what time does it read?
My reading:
10.07
